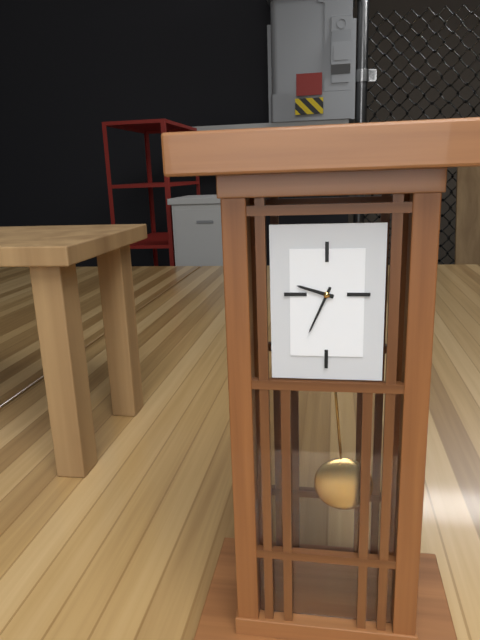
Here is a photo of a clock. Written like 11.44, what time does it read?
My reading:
9.34
